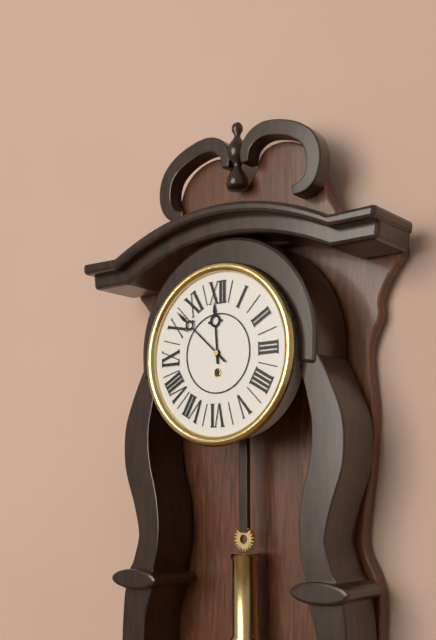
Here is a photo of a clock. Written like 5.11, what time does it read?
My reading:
11.52
